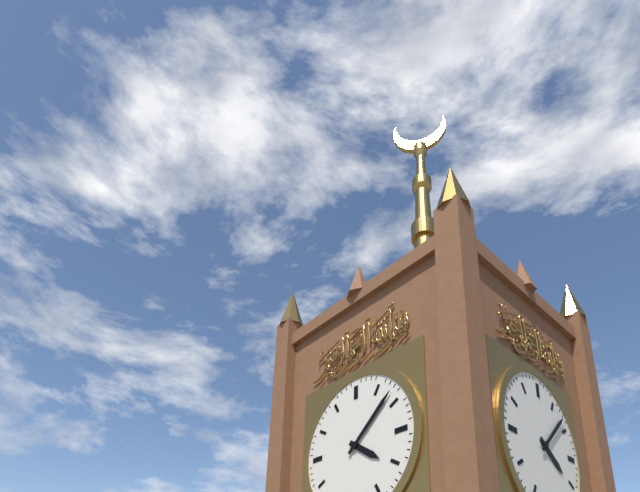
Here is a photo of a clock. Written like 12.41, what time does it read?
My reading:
4.08
